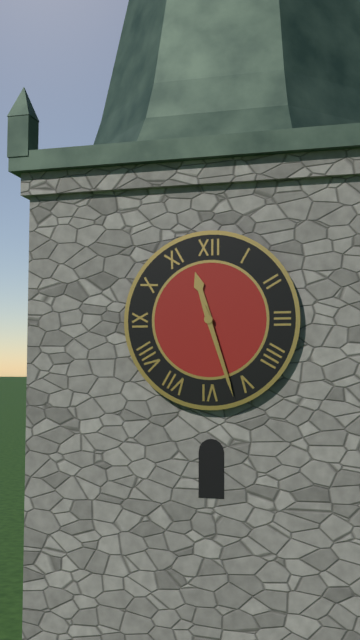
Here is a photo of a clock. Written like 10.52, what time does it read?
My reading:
11.27
